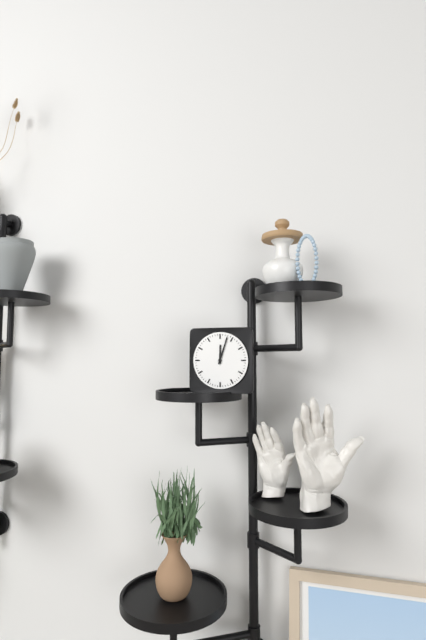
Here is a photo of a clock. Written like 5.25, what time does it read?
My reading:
12.03
